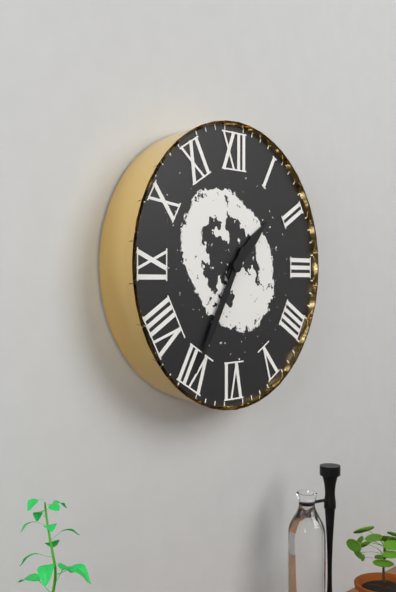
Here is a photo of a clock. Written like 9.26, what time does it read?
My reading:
1.35
